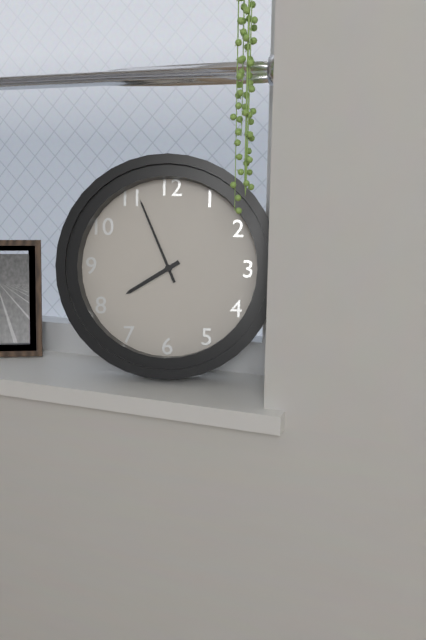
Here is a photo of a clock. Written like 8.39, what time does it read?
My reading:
7.56
